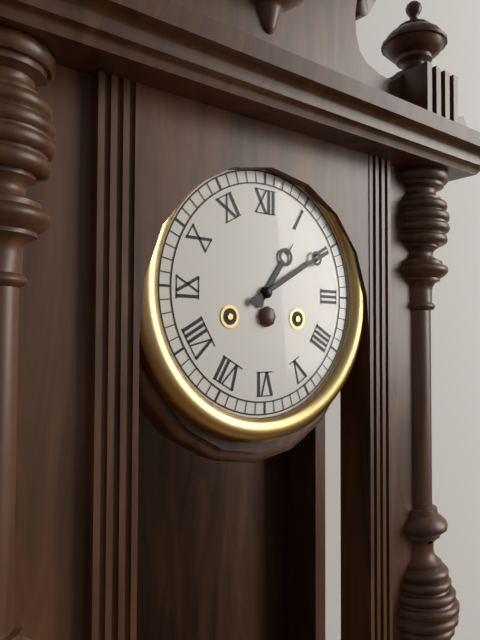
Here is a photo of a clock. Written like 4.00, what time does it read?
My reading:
1.10
